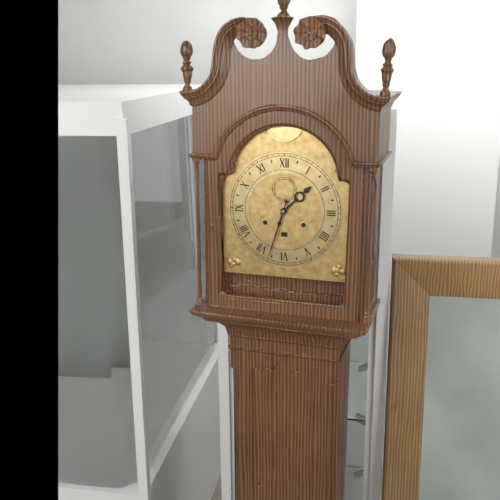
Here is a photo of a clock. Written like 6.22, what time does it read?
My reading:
1.33
